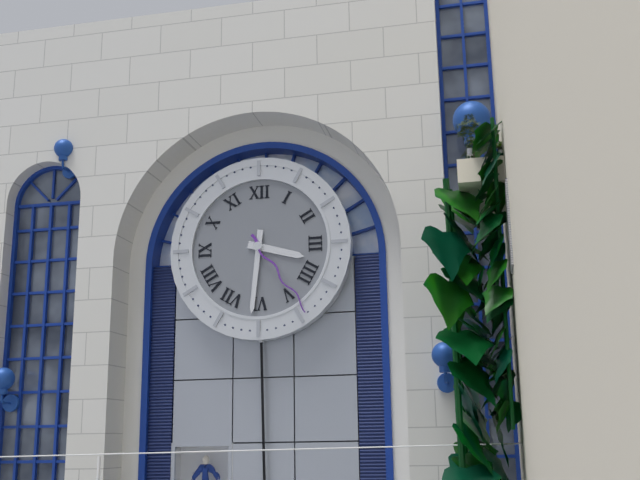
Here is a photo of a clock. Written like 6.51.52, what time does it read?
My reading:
3.31.24
